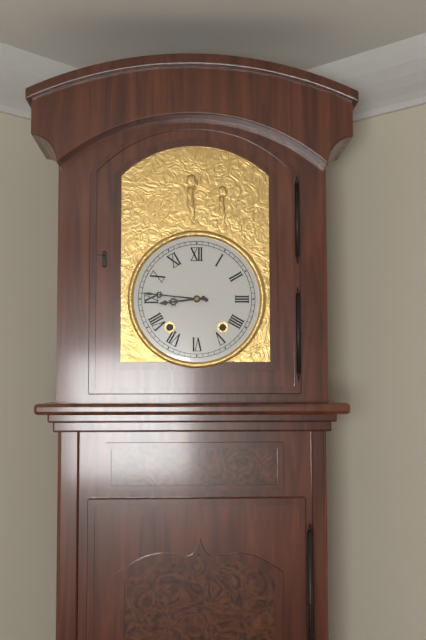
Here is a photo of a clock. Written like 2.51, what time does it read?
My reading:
8.46
